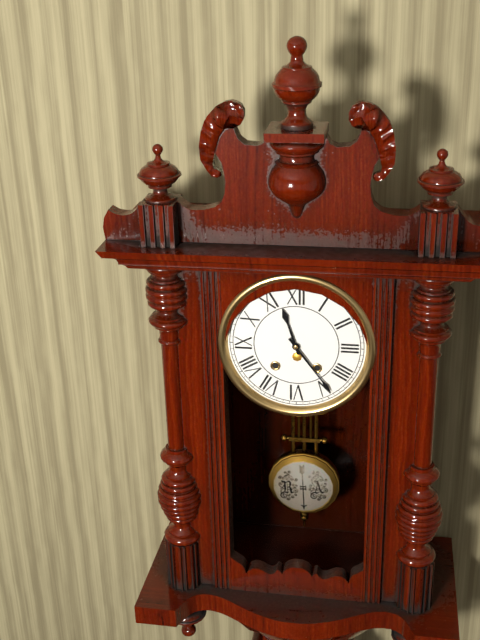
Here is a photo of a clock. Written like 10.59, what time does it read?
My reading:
11.24
